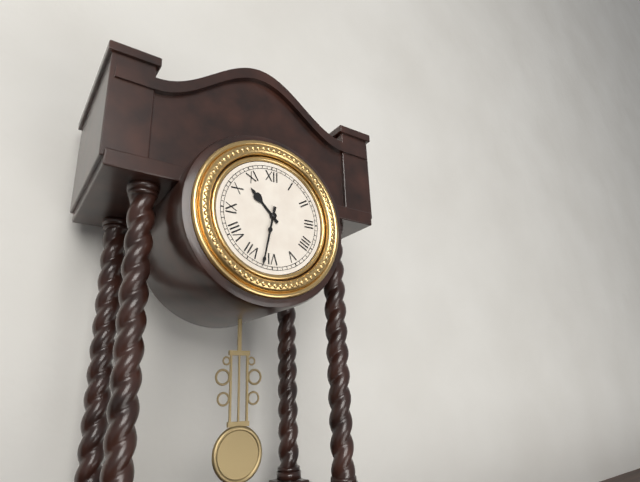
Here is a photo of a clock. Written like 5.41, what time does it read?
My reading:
10.32
